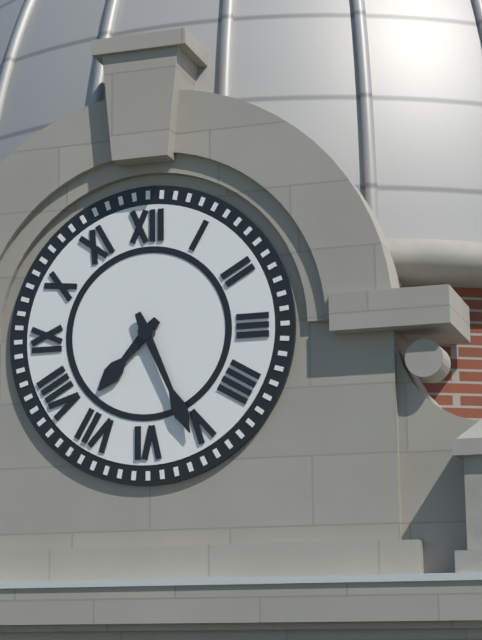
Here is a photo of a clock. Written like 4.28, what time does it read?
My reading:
7.26
